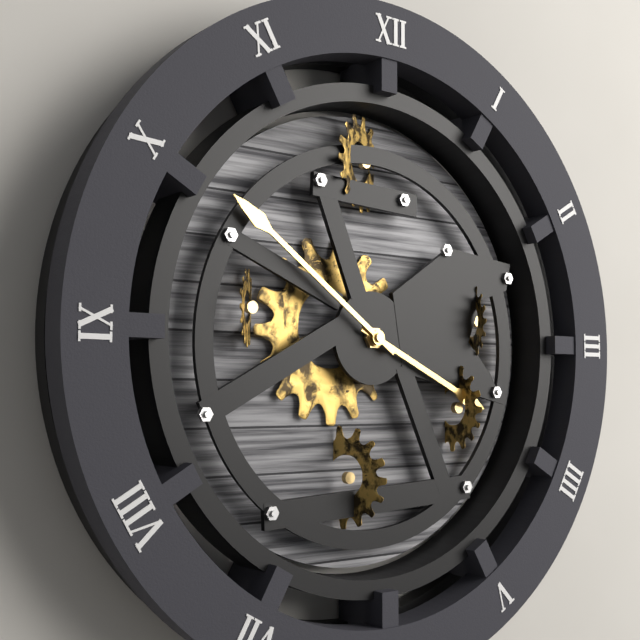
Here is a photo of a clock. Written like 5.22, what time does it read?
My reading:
3.51
